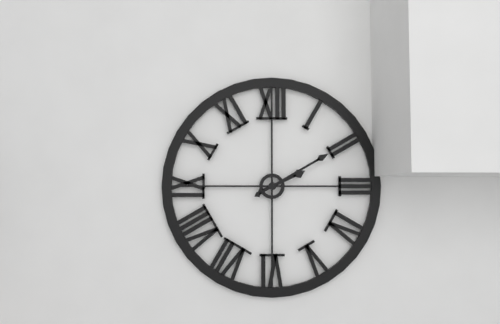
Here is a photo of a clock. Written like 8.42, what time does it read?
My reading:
2.10
